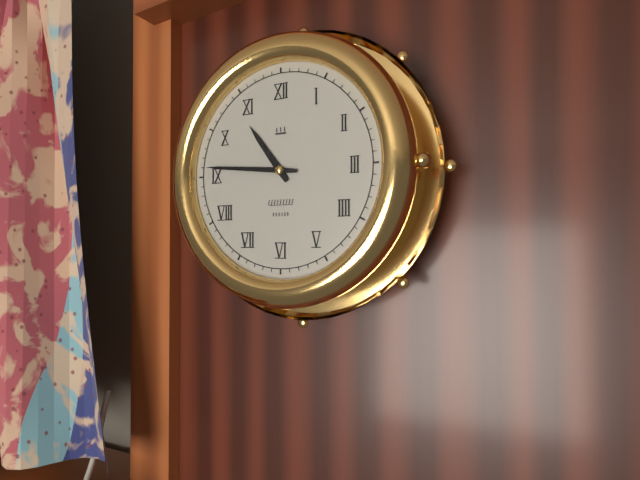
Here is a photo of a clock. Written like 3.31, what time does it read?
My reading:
10.46
